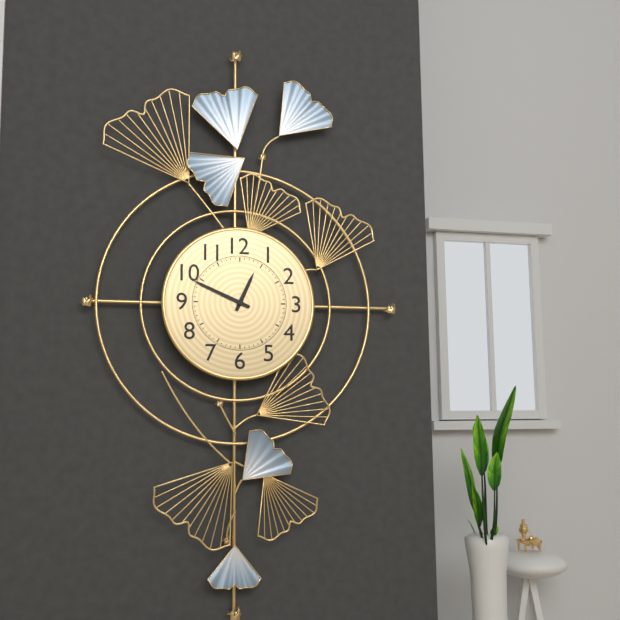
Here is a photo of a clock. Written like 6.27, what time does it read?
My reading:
12.49
